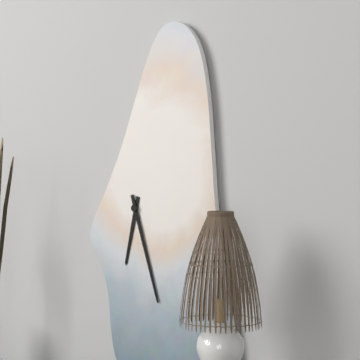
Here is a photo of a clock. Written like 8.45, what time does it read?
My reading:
6.27
